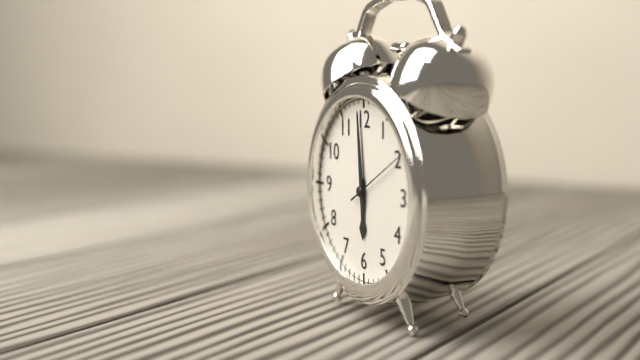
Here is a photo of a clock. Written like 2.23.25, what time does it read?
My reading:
5.59.10
